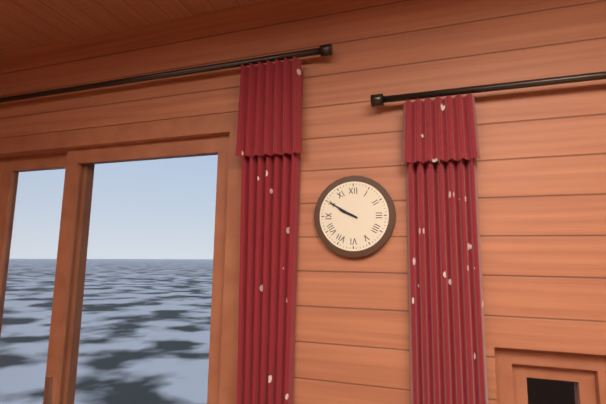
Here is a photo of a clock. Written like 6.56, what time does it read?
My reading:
9.50
